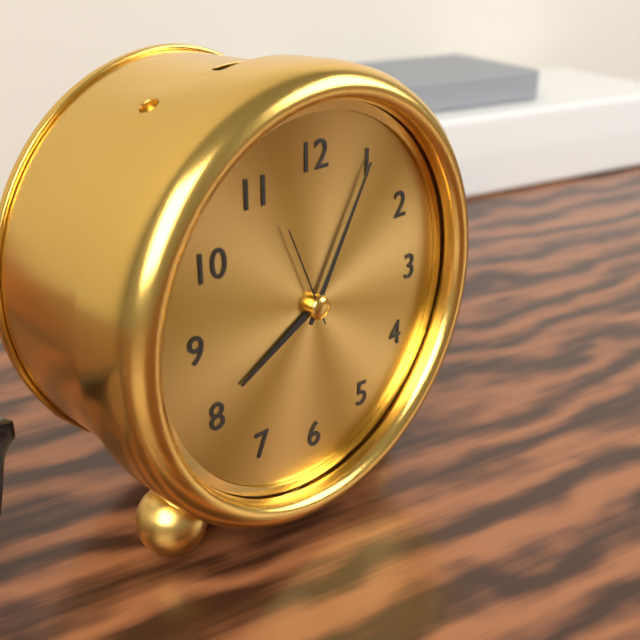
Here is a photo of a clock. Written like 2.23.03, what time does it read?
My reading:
8.05.56
